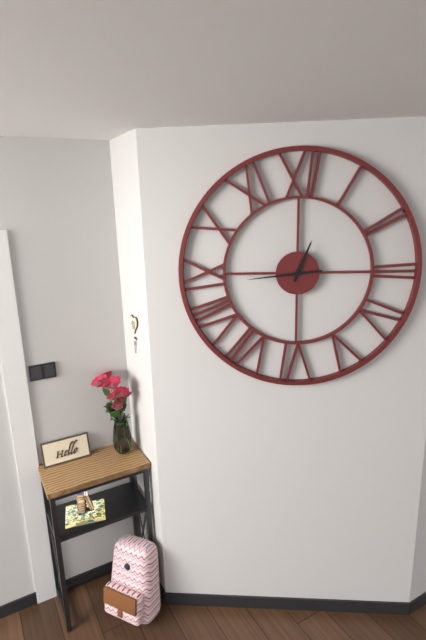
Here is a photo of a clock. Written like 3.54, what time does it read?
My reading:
12.44
